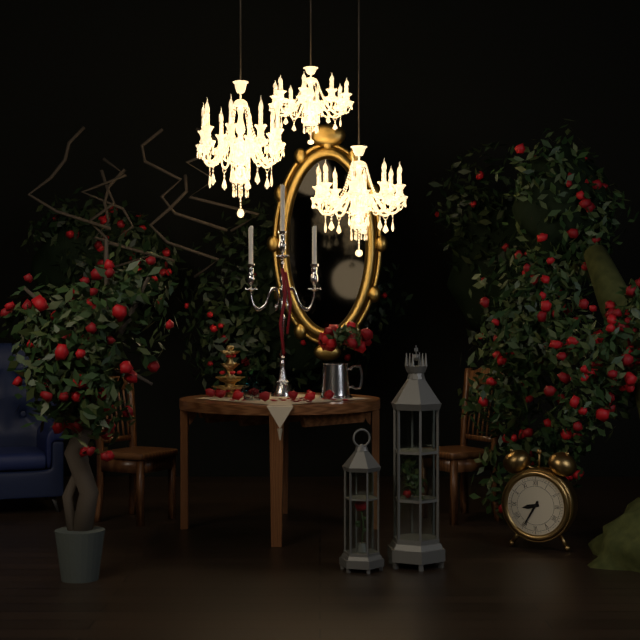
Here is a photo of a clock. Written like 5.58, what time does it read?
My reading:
8.35
